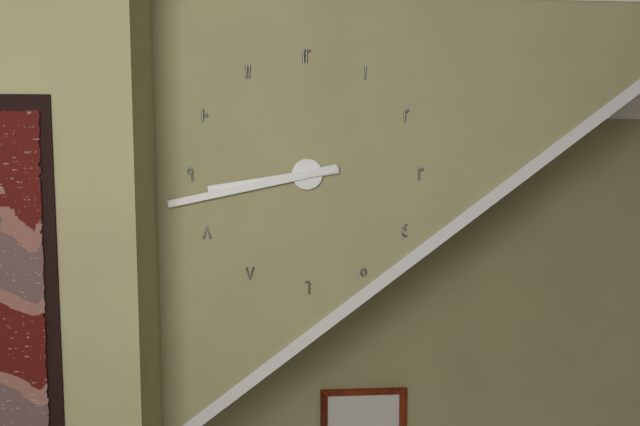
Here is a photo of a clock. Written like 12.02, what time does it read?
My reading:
8.43
